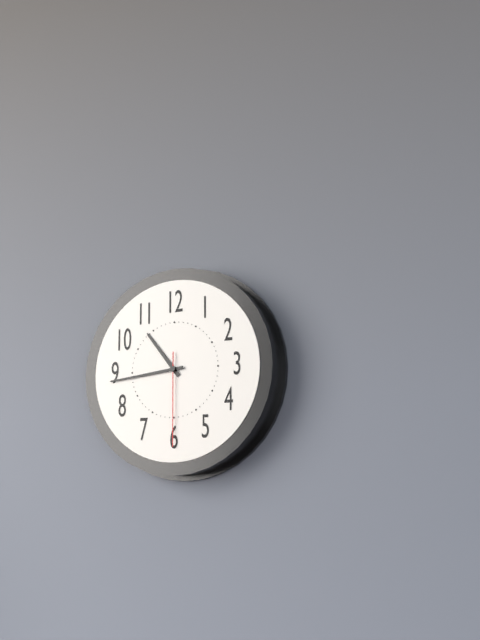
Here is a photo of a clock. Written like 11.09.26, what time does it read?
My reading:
10.44.30
